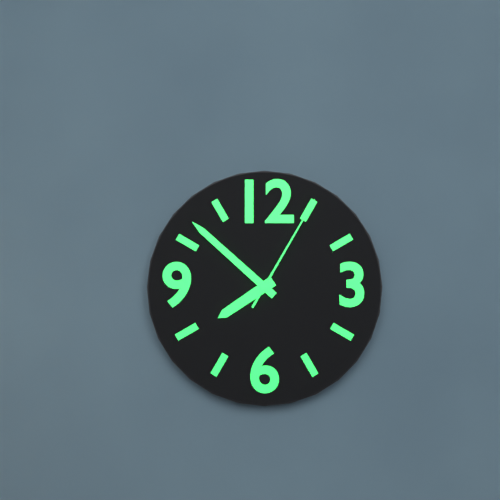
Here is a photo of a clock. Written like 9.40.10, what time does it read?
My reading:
7.52.05
